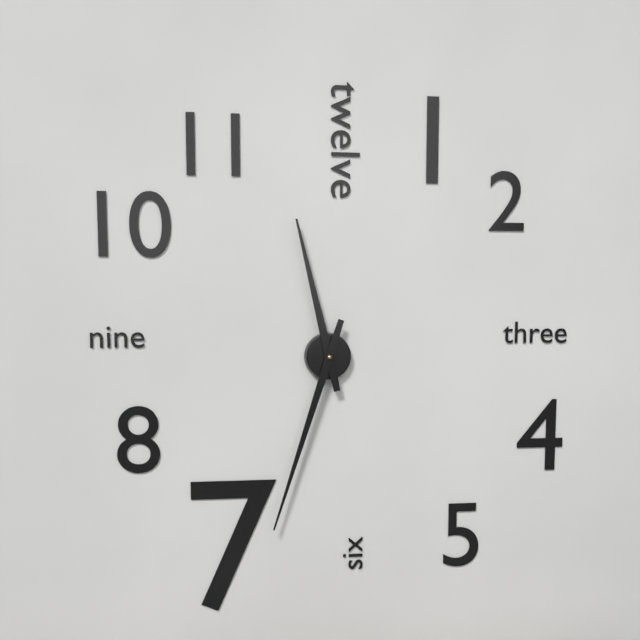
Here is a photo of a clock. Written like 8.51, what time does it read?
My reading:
11.33
